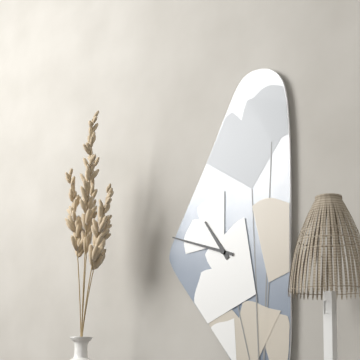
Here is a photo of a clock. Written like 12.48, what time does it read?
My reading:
10.48
